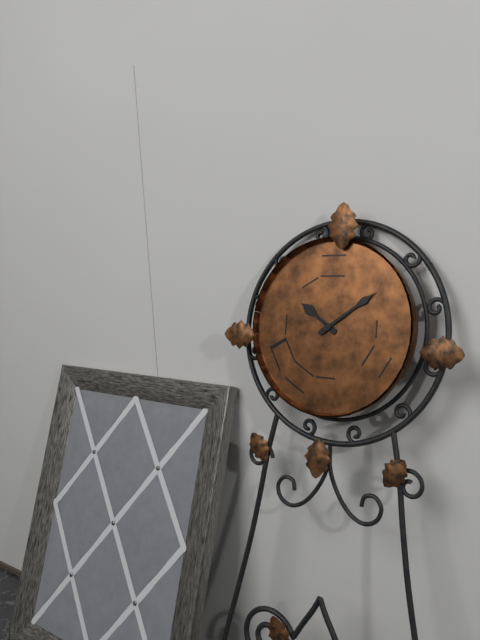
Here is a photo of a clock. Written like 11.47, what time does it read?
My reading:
10.09
